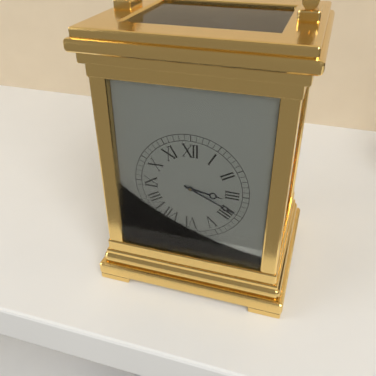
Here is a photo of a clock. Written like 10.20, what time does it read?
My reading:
3.19
